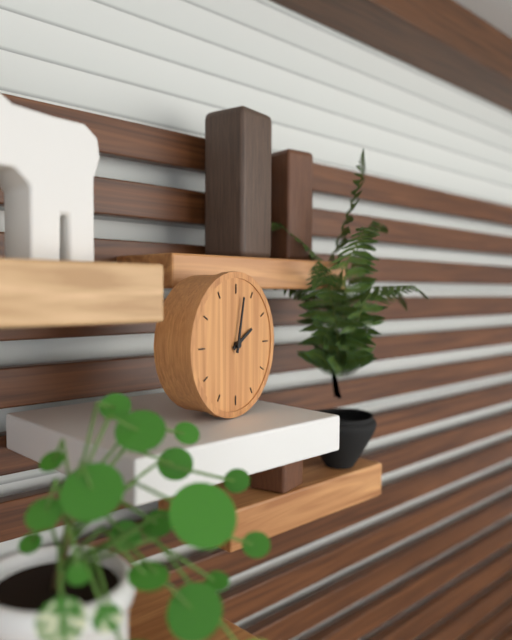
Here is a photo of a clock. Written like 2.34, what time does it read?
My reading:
2.02
